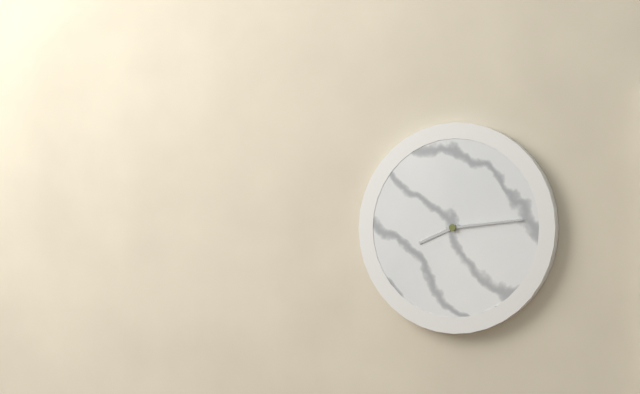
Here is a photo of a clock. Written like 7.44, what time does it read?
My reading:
8.14
